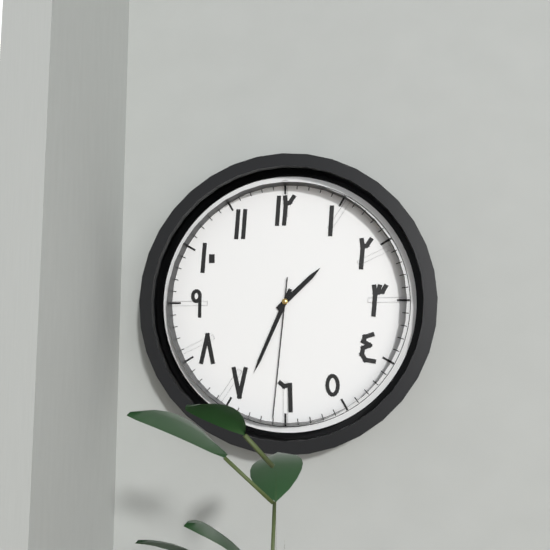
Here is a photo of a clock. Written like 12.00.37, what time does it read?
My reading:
1.34.31
